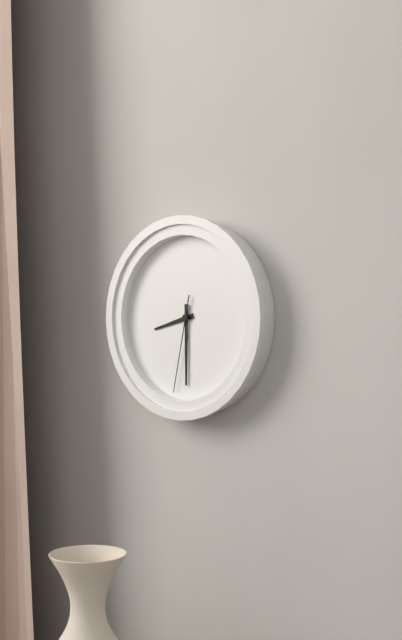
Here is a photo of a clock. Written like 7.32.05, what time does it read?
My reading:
8.30.32
